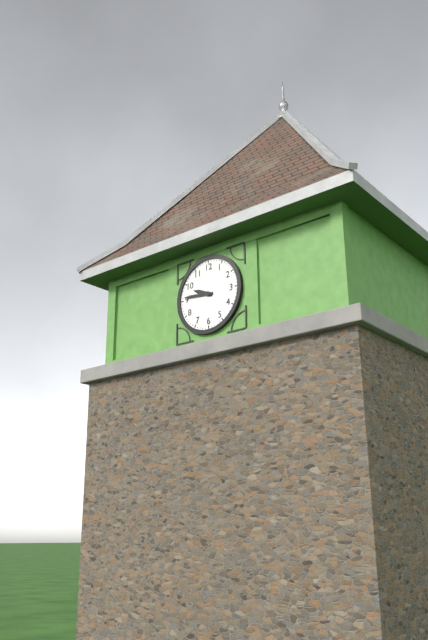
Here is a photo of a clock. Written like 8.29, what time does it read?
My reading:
9.46
